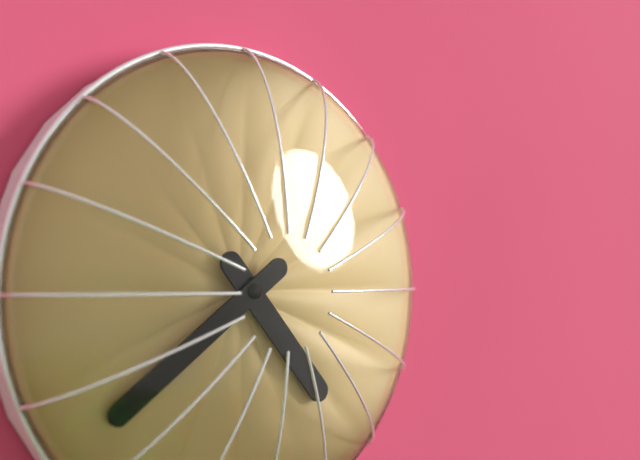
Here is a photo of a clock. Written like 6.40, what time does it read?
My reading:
4.39
